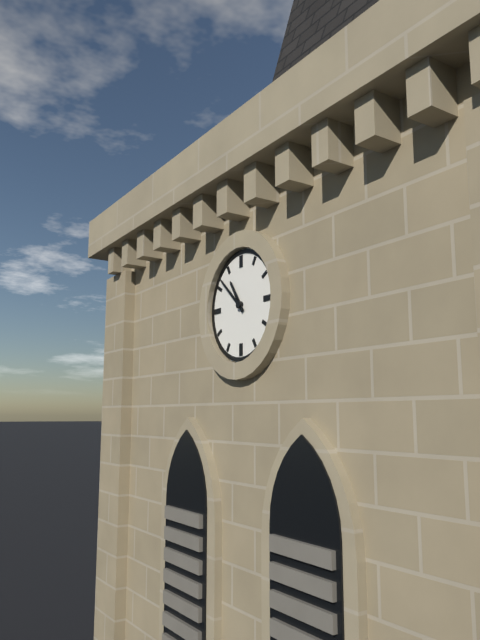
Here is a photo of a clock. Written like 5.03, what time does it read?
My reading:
10.52
